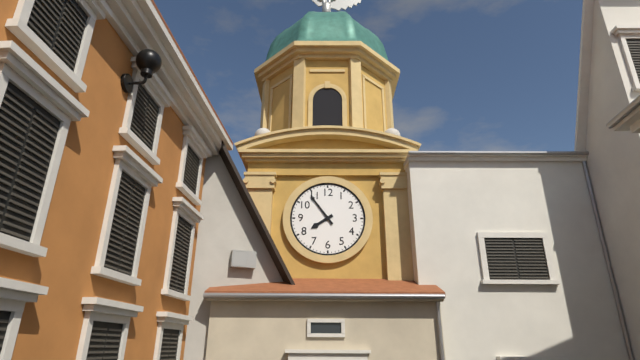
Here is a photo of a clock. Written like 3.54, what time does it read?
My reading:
7.54
